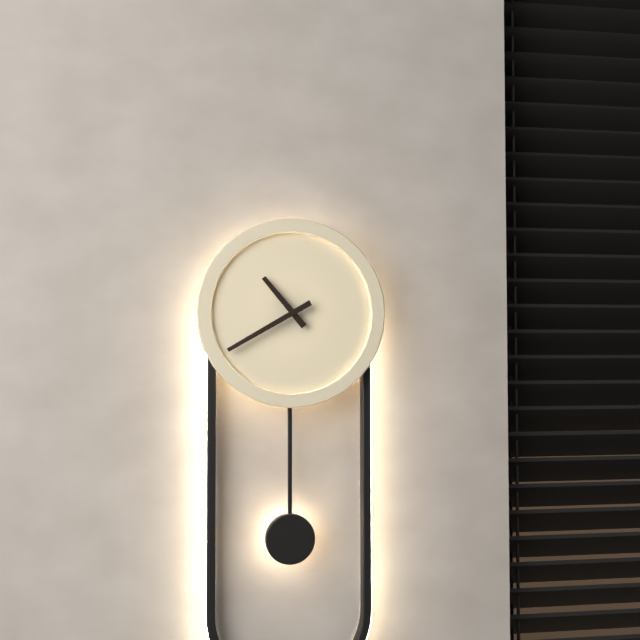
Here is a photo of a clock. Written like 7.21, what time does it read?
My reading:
10.40
